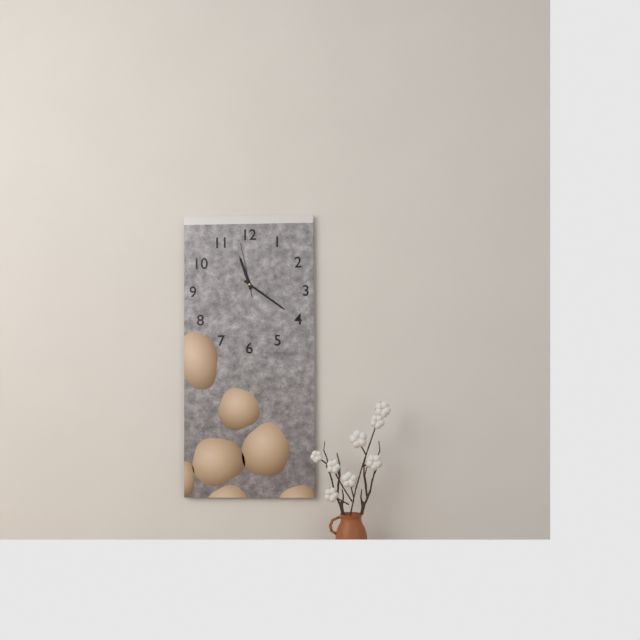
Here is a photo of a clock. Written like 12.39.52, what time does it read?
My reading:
11.21.58
